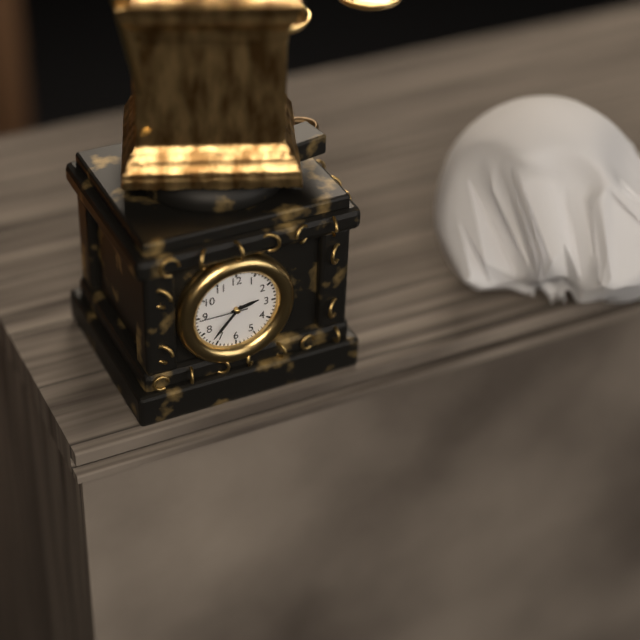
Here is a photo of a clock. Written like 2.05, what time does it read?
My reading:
2.37
